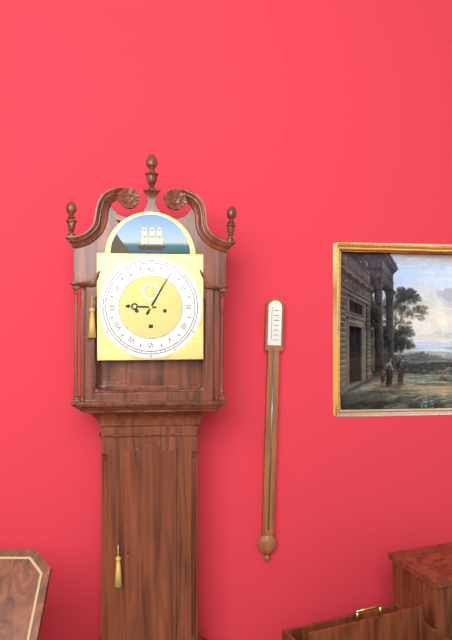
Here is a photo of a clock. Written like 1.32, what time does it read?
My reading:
9.05
